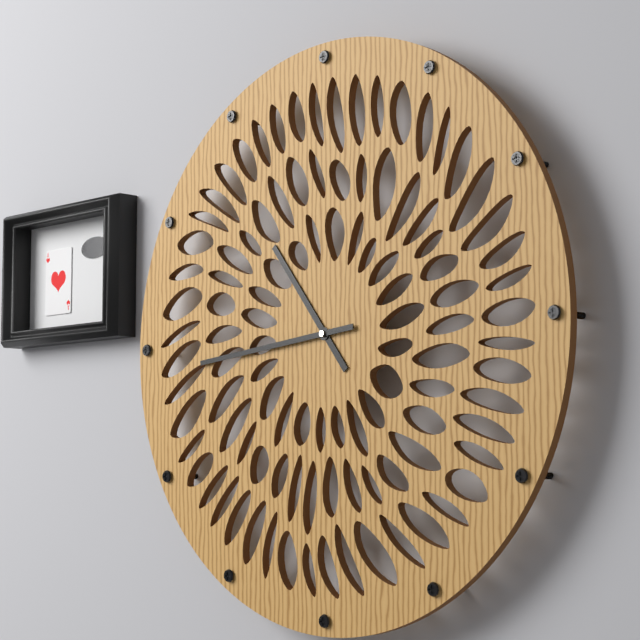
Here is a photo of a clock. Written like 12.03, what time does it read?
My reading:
10.44
